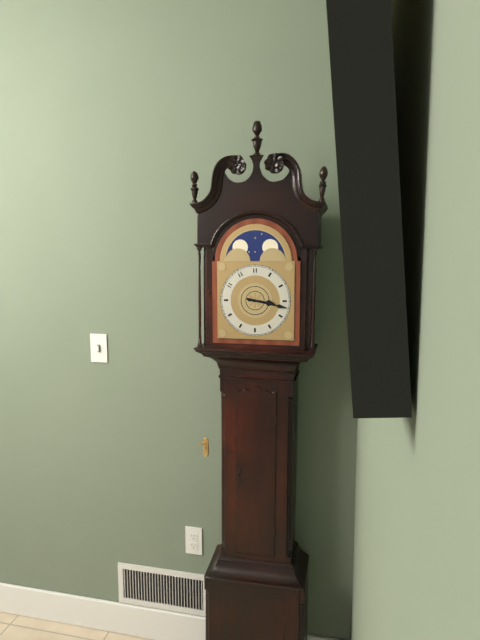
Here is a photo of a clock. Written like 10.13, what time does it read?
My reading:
3.17
